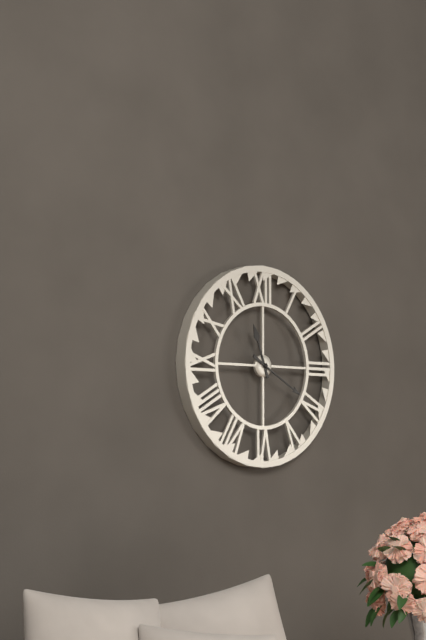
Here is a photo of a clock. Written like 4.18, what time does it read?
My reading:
11.20
